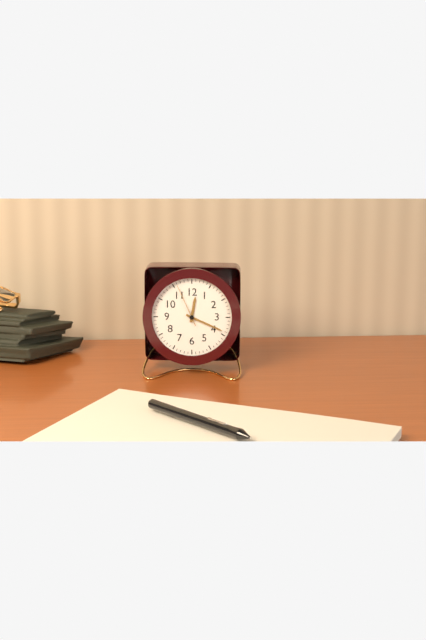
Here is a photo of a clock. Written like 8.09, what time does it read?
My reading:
12.19
